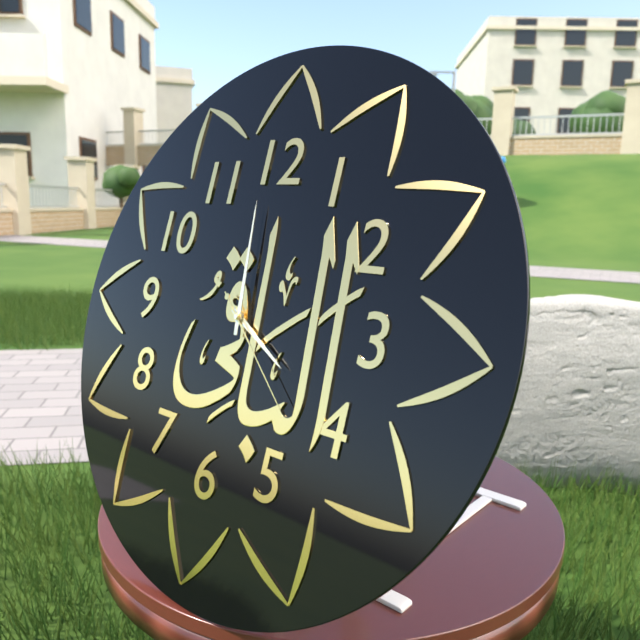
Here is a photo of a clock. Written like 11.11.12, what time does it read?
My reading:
3.59.22
